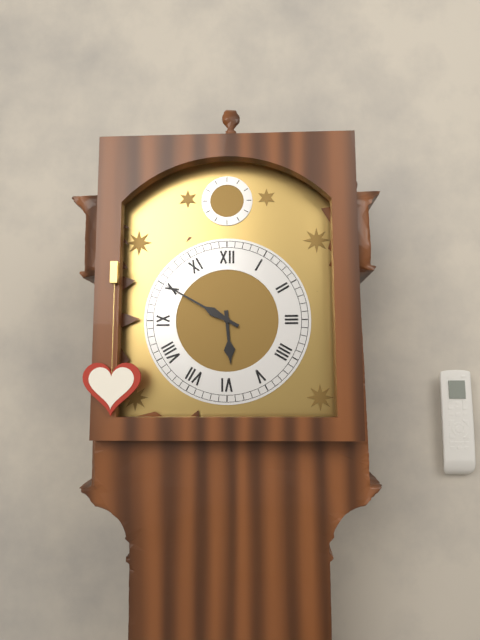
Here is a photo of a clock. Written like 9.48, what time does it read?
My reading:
5.50
